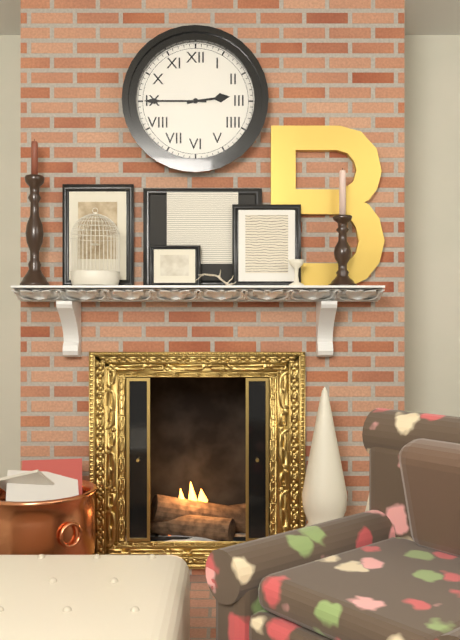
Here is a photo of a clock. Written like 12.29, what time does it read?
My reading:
2.45
